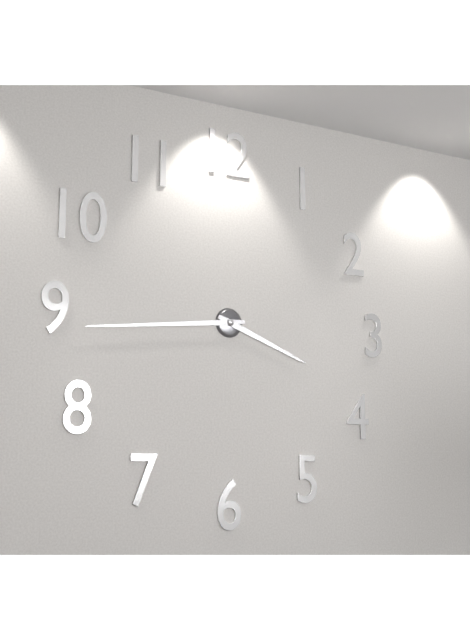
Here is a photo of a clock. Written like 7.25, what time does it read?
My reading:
3.44
